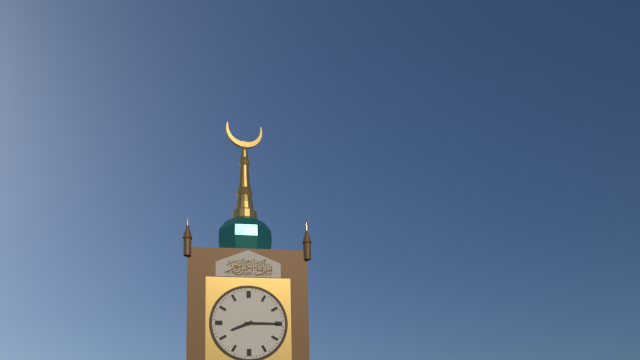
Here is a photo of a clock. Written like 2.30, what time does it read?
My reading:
8.15
